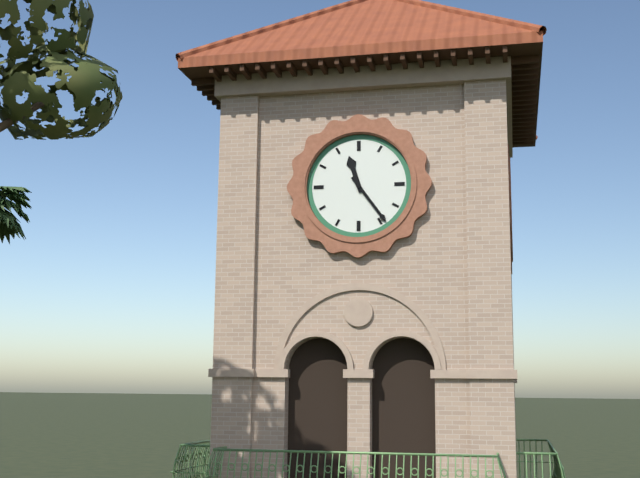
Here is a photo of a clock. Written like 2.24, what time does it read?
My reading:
11.24
